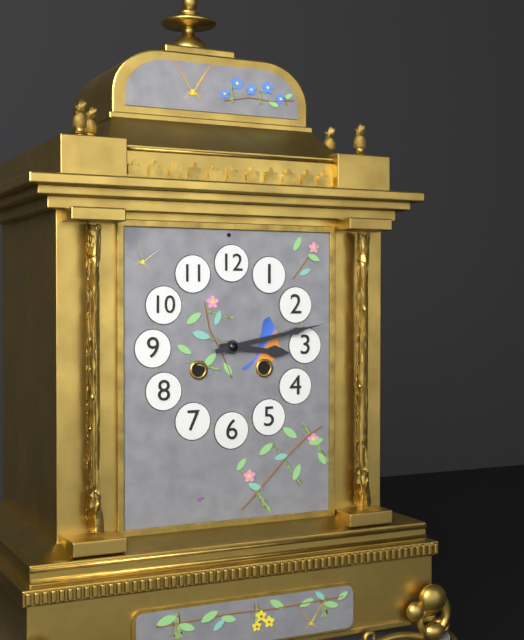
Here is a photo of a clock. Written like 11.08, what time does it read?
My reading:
3.13
